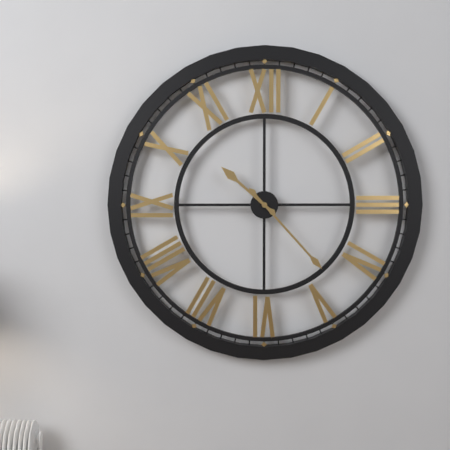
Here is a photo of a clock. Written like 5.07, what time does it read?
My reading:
10.23
